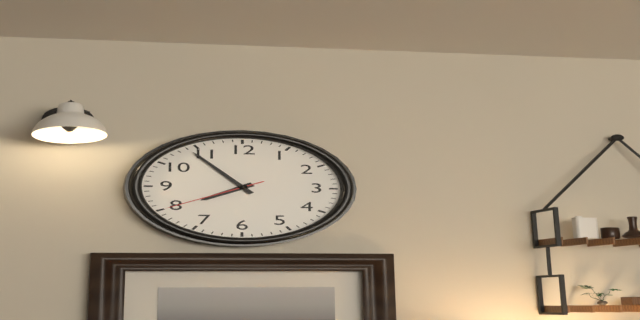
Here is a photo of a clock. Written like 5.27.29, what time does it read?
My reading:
7.54.40
